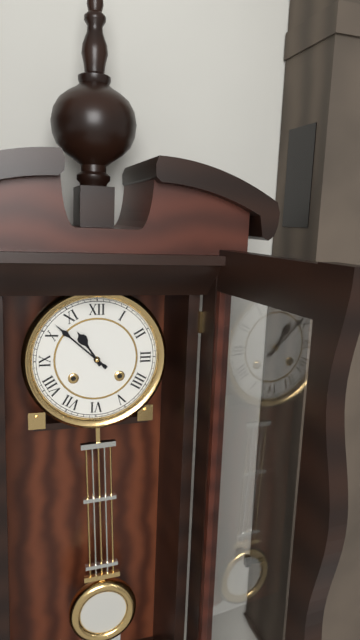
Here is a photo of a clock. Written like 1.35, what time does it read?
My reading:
10.52
